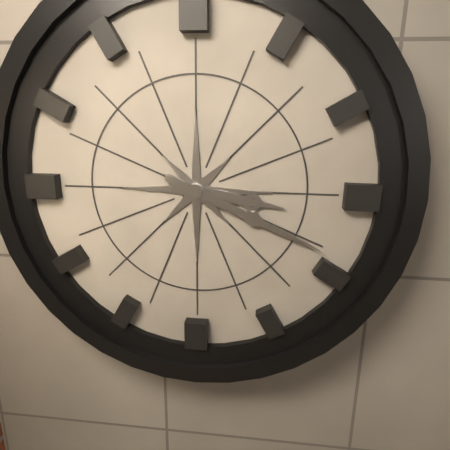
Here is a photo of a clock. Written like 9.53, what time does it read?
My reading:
3.19
